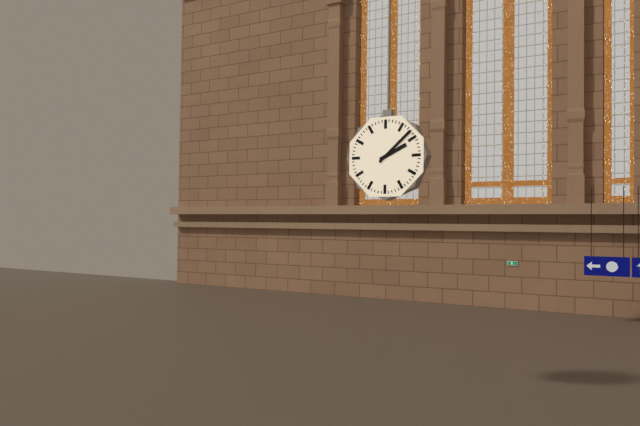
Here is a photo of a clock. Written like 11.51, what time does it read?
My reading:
2.08
